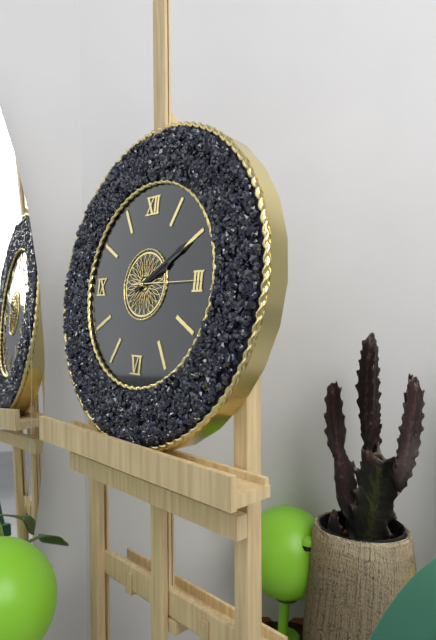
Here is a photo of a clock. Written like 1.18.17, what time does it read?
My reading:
2.10.15
